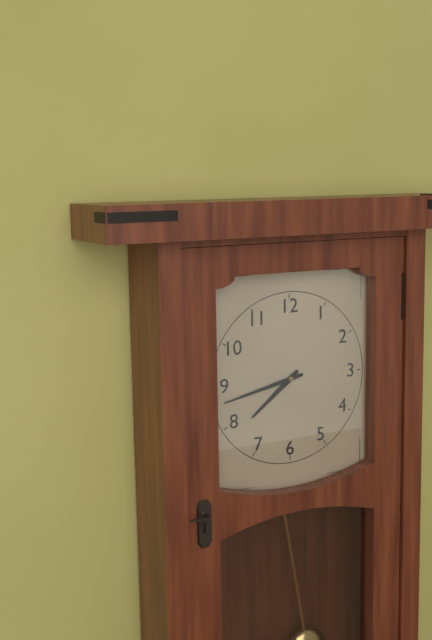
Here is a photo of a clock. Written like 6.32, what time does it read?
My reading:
7.43
